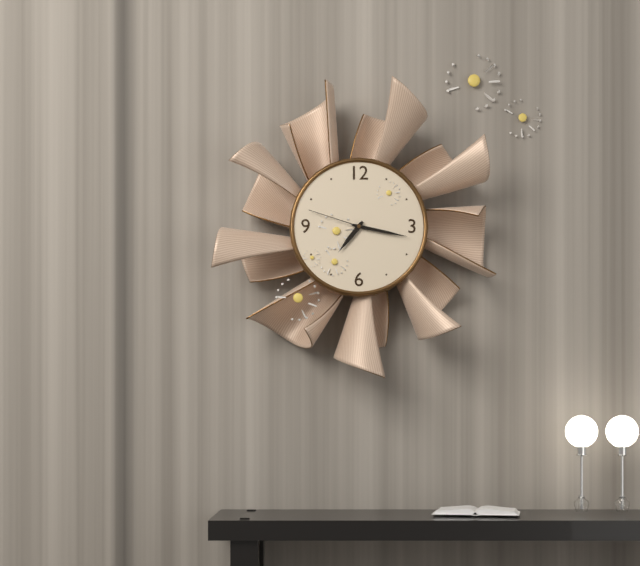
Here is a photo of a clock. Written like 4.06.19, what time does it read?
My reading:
7.17.48
